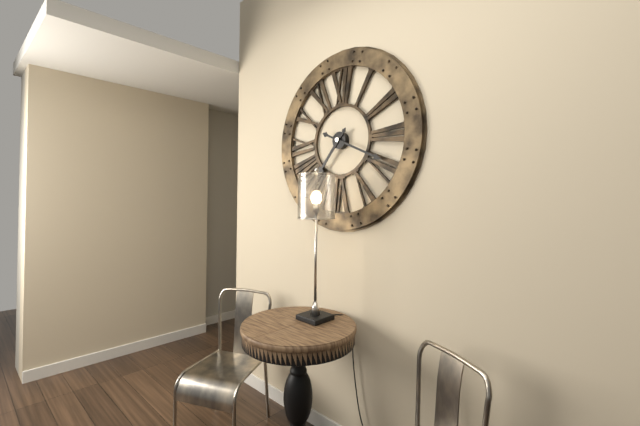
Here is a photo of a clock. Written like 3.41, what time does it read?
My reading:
7.19
